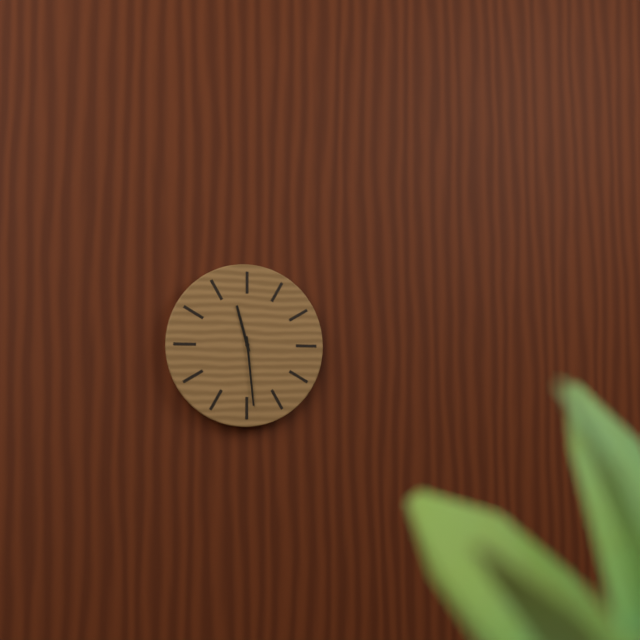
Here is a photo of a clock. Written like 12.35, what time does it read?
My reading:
11.29
